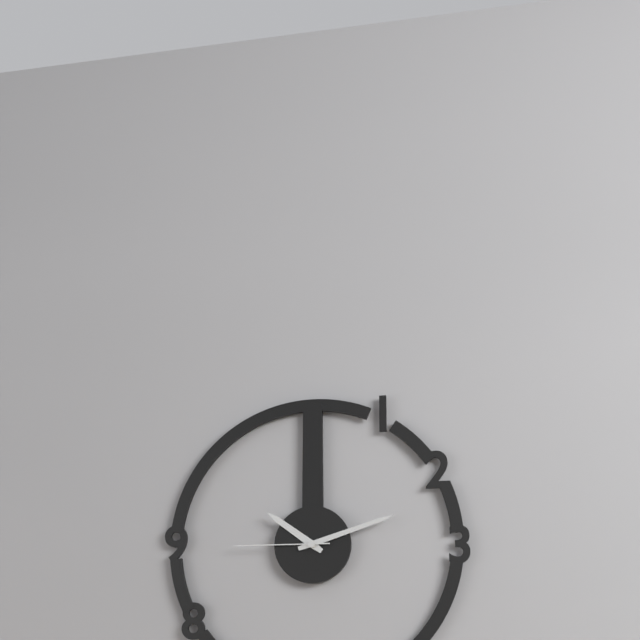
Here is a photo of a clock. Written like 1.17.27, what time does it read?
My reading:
10.12.45
